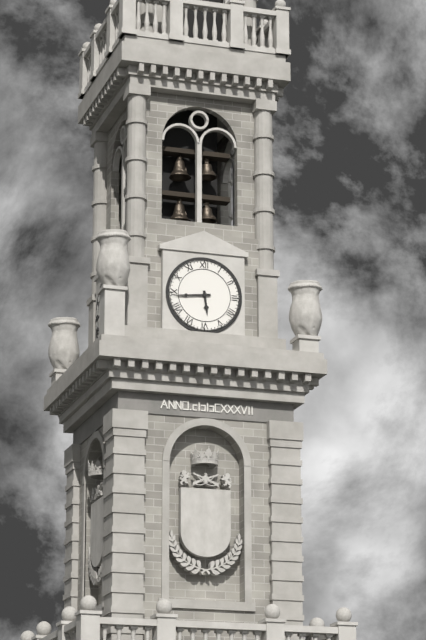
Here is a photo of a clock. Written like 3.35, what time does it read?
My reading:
5.44
